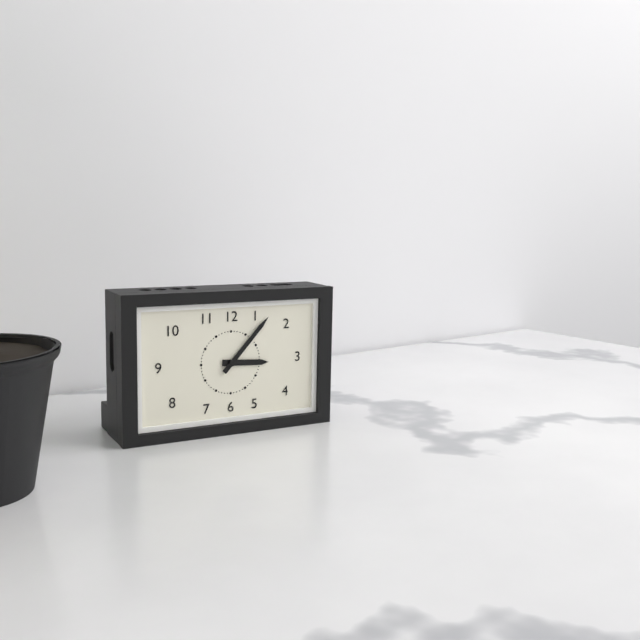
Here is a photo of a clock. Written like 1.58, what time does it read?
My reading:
3.07
